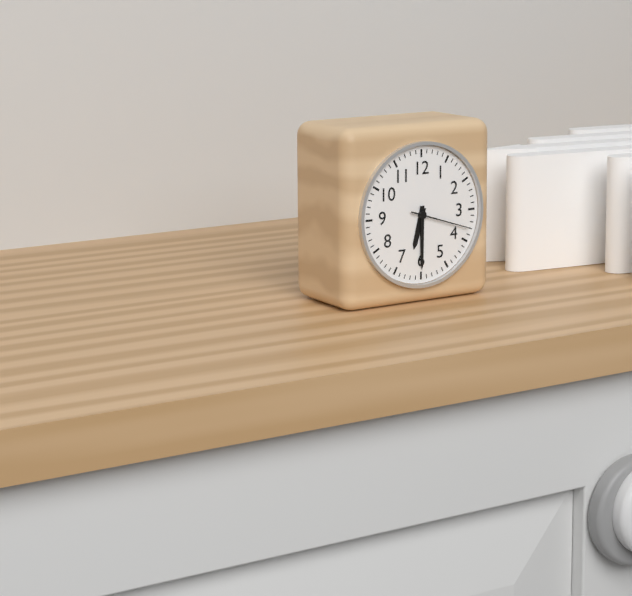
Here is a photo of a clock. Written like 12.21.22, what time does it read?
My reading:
6.30.18
